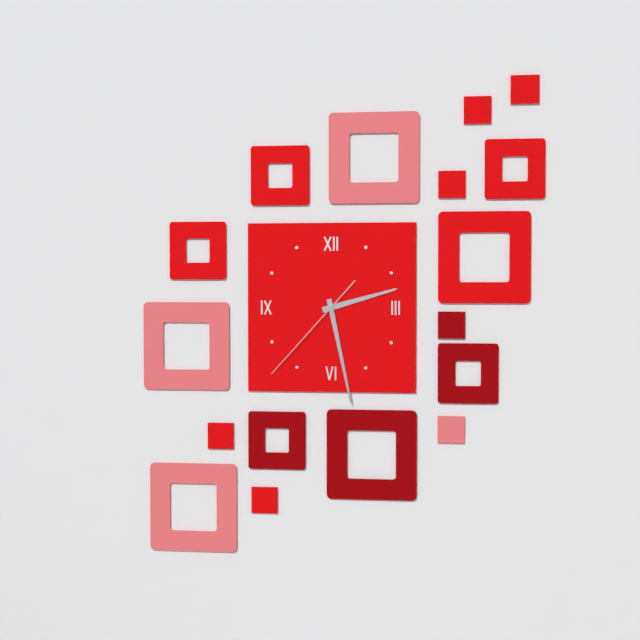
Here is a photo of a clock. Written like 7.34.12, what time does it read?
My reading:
2.28.37
